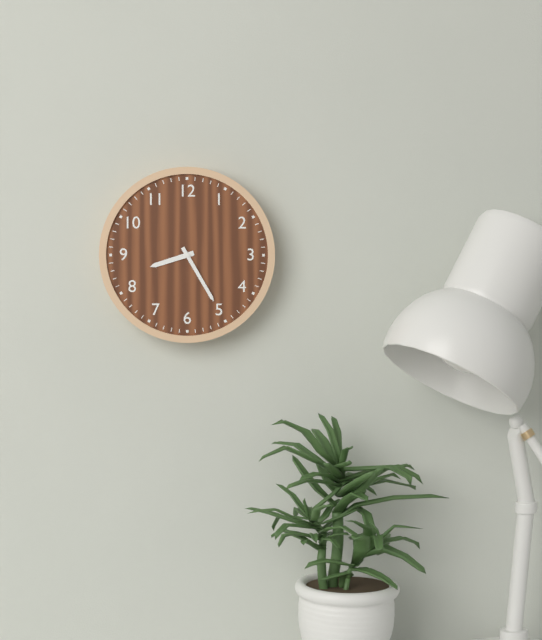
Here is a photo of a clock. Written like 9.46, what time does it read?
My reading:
8.25
